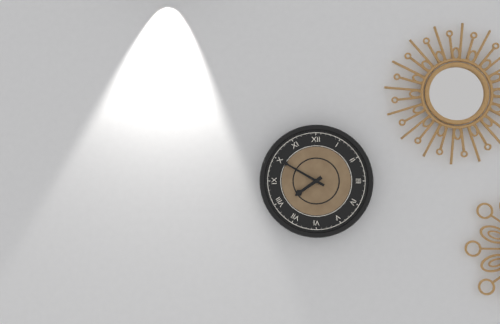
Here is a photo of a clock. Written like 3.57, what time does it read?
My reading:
7.50
